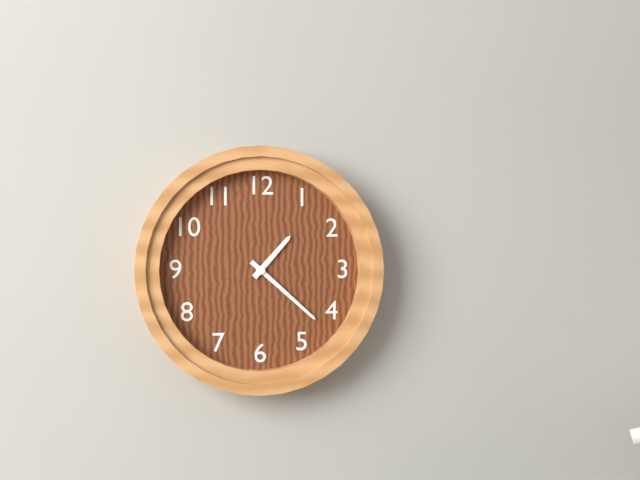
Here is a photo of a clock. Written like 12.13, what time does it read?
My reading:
1.22
